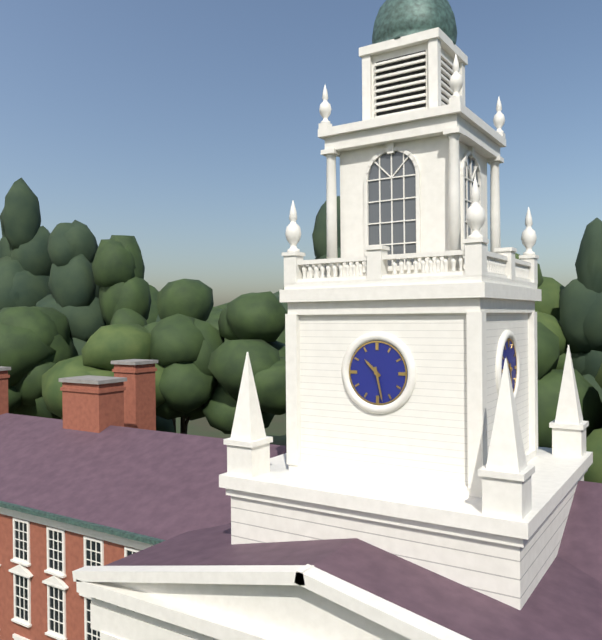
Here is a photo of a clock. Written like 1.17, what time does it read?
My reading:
10.28
